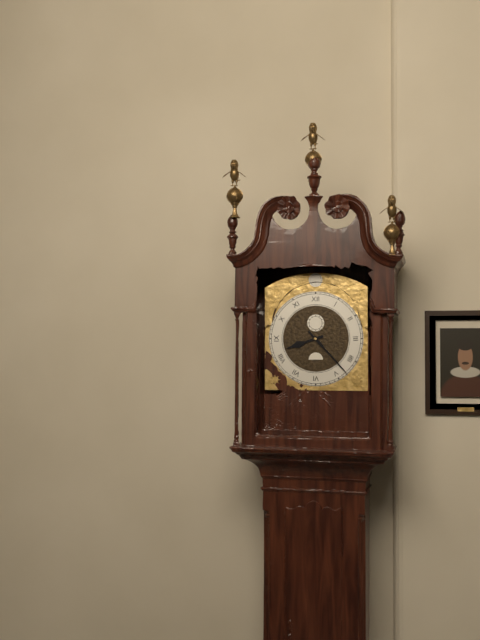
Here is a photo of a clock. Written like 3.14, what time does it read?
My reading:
8.23
